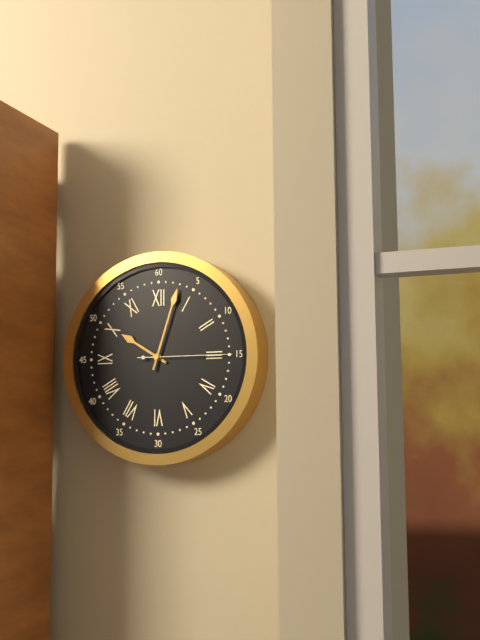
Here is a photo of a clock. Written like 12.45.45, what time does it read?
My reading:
10.03.15
